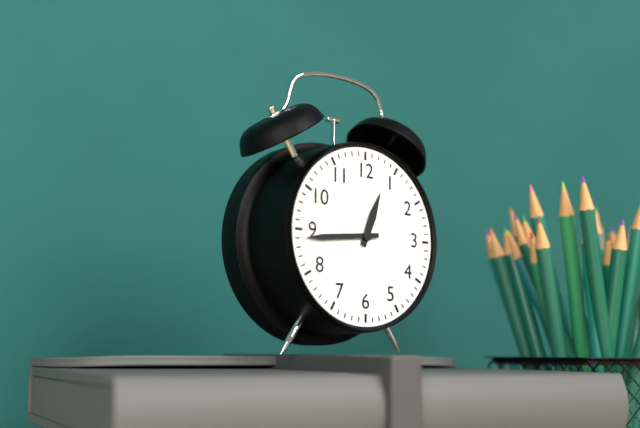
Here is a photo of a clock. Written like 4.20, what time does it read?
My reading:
12.44
